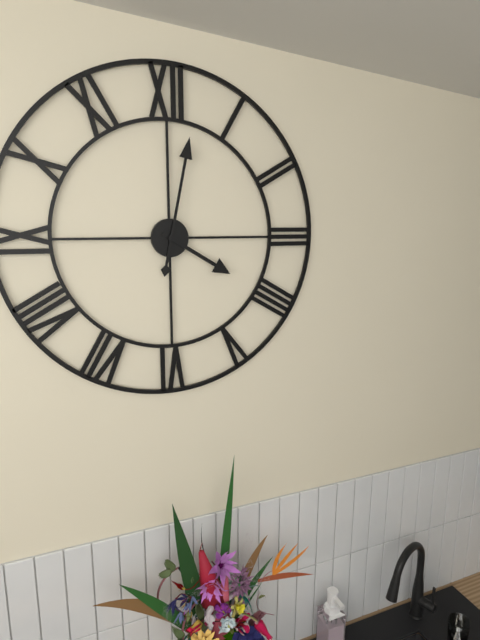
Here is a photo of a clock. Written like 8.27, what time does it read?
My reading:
4.02
